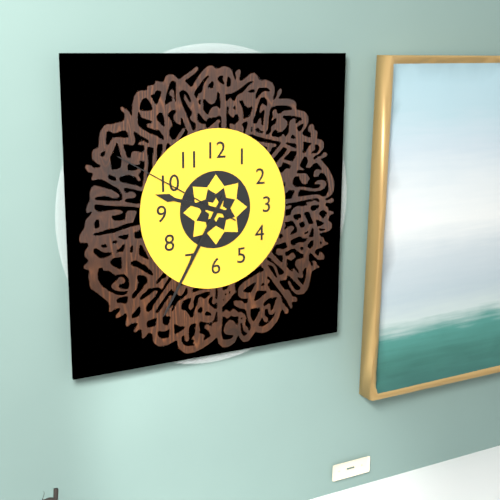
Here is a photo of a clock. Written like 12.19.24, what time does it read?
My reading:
9.35.50
